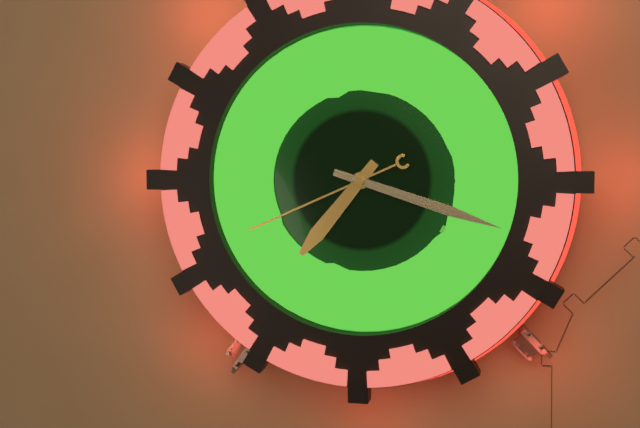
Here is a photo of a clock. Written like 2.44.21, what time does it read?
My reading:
7.18.41
